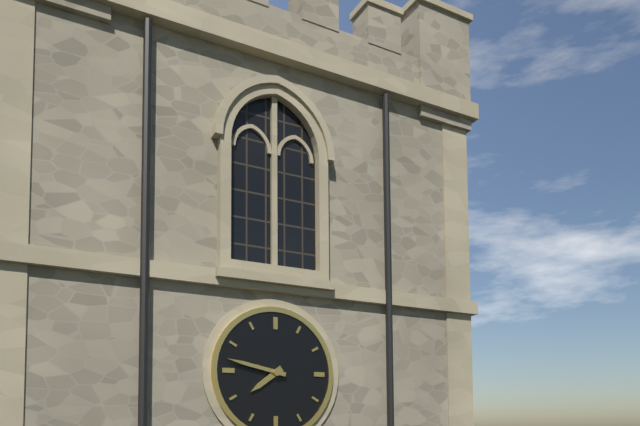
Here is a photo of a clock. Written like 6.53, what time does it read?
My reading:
7.47
